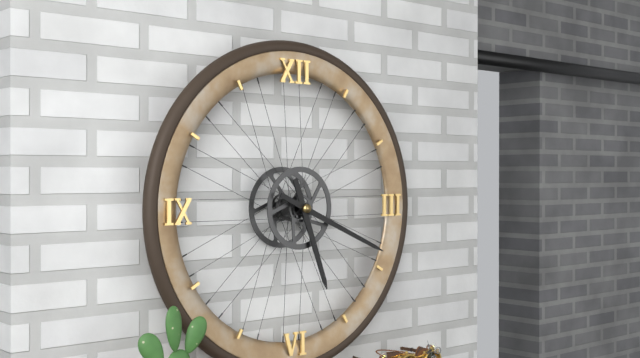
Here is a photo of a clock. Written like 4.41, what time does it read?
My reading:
5.19
